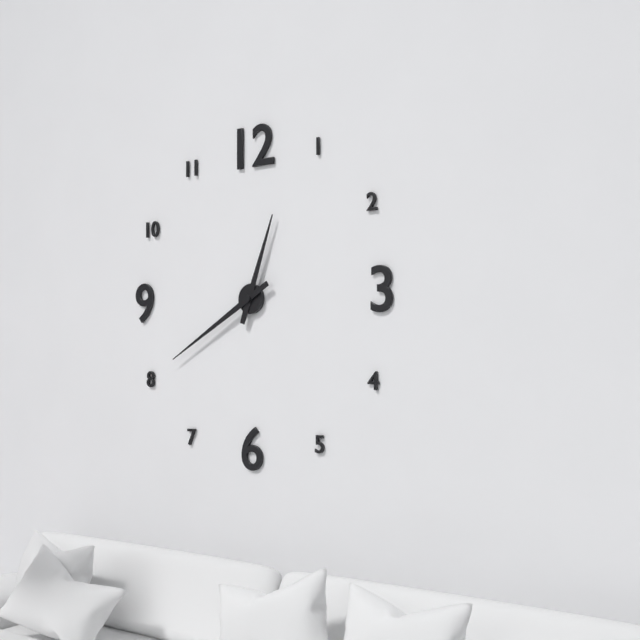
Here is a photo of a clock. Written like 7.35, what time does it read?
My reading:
12.40
